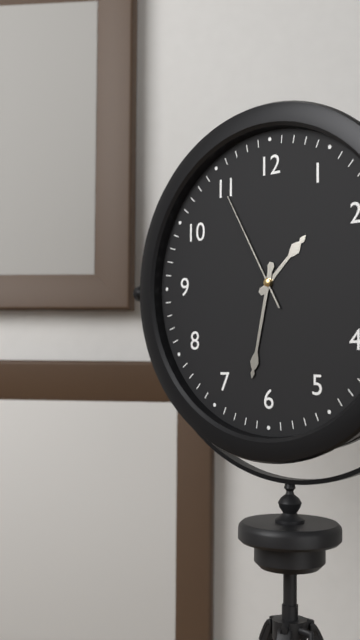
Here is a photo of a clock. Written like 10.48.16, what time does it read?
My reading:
1.32.55
